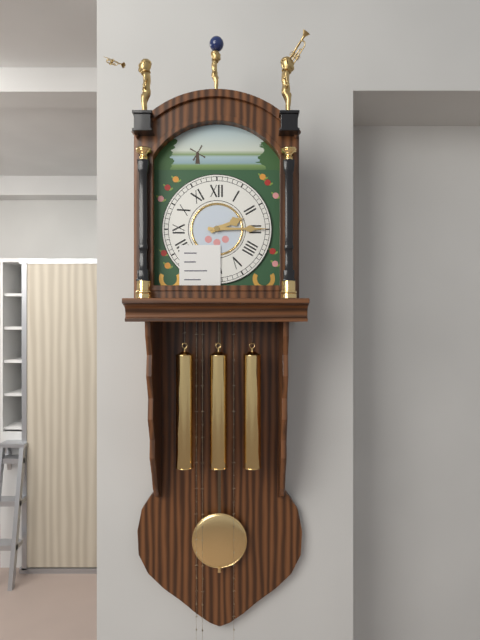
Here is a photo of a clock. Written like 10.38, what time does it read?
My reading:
2.15
